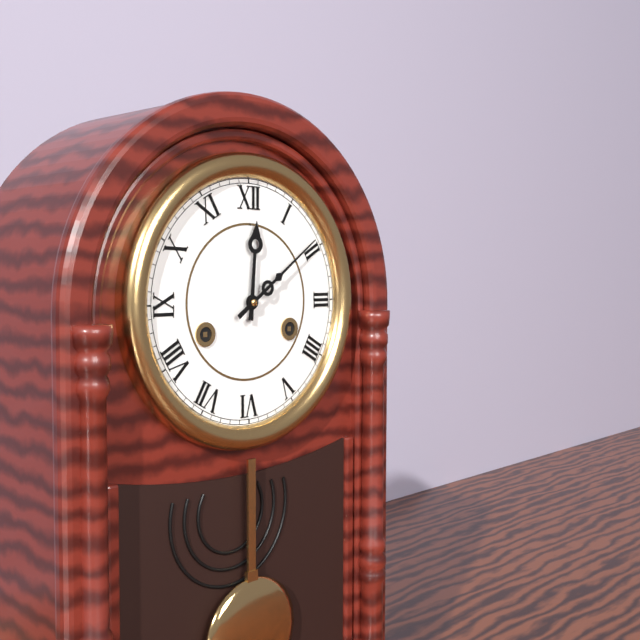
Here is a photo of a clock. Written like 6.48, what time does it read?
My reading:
12.09
